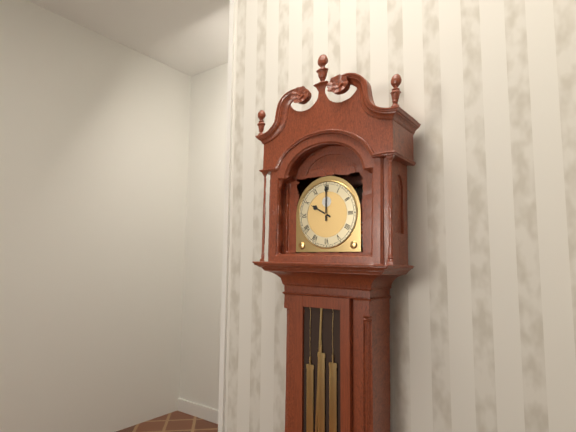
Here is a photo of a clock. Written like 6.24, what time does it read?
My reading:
10.00
